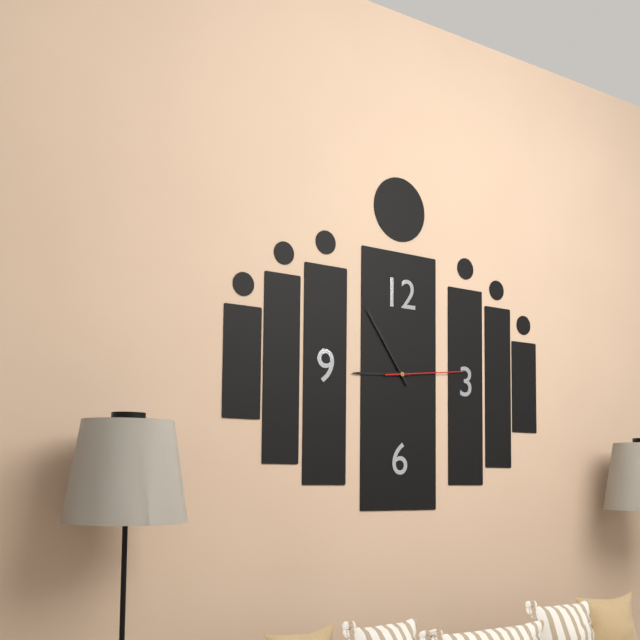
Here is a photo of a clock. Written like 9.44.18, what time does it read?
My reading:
8.54.14
